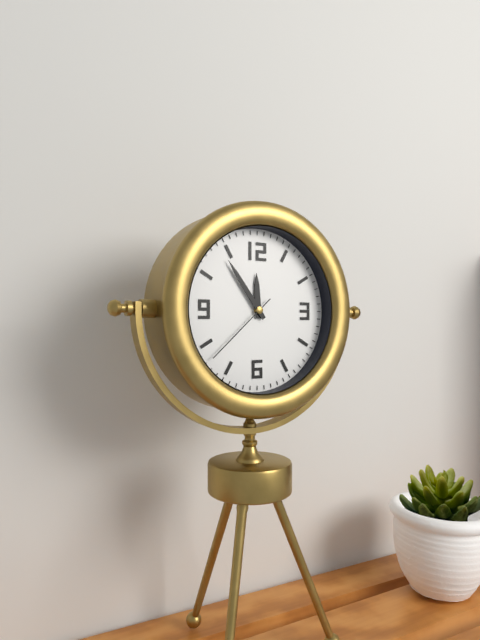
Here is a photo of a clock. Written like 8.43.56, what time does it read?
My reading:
11.54.38
